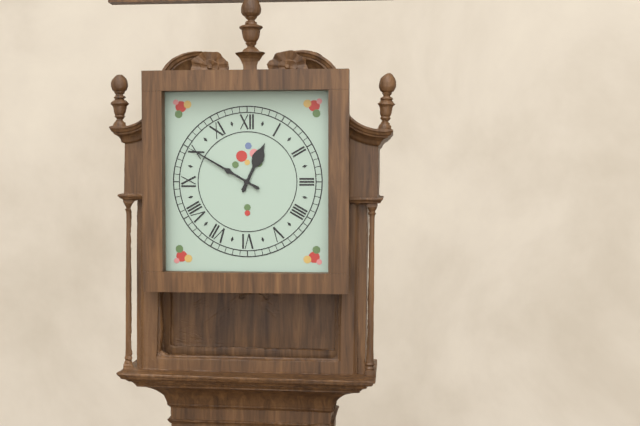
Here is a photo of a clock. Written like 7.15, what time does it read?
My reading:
12.50
